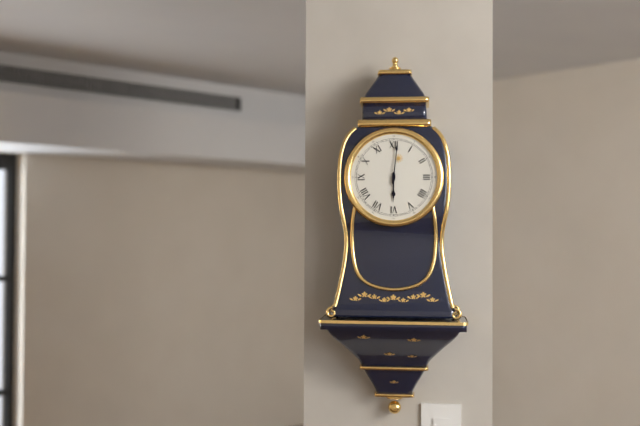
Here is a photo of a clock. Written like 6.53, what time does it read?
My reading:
6.01
